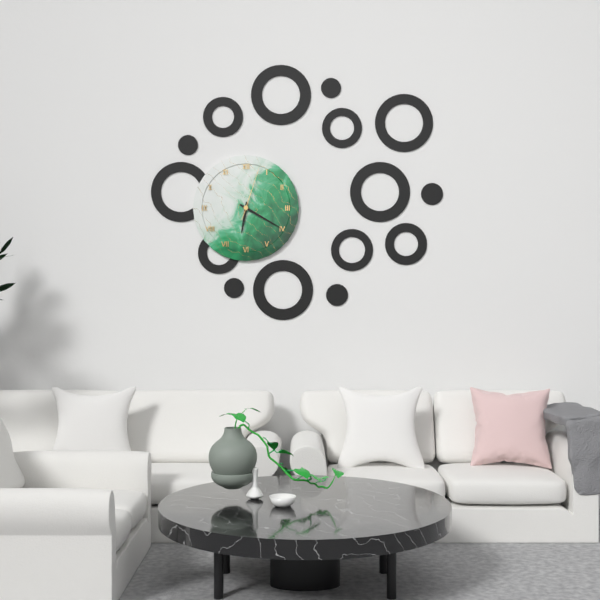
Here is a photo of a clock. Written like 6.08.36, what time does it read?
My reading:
6.20.03
